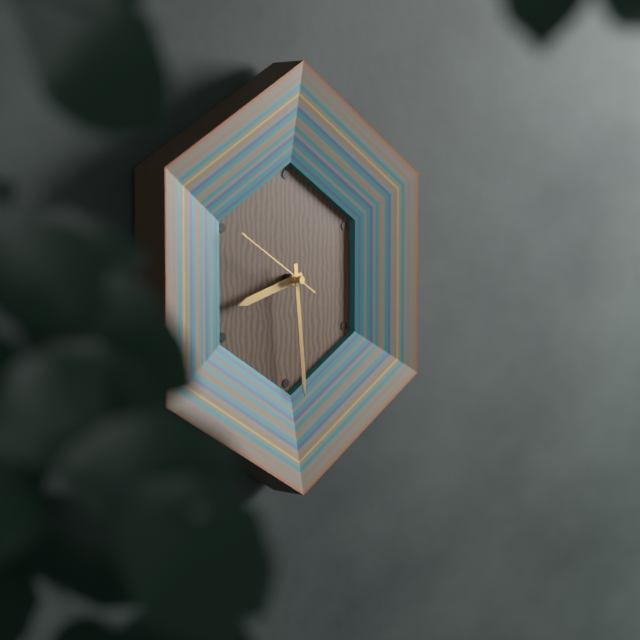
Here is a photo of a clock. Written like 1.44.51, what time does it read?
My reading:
8.29.50
